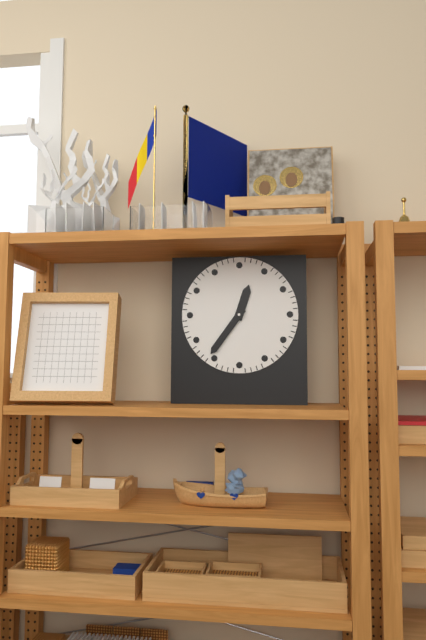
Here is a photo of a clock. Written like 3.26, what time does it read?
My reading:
12.36
